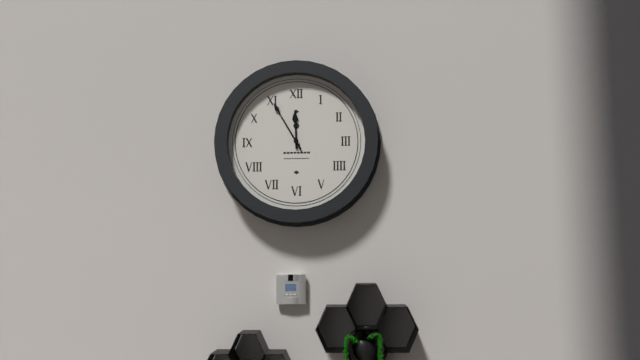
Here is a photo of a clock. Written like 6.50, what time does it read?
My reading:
11.55
